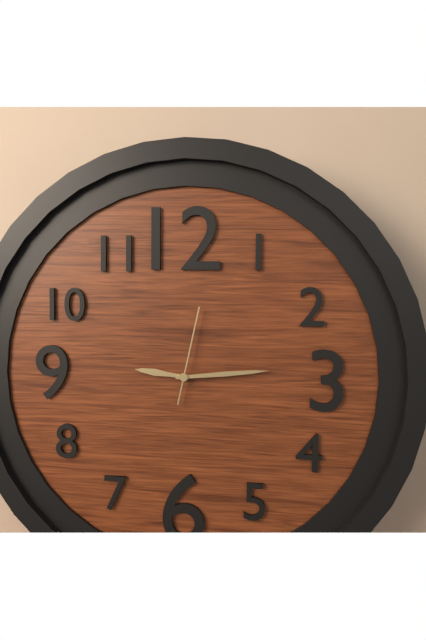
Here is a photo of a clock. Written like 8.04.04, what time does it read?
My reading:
9.14.02
